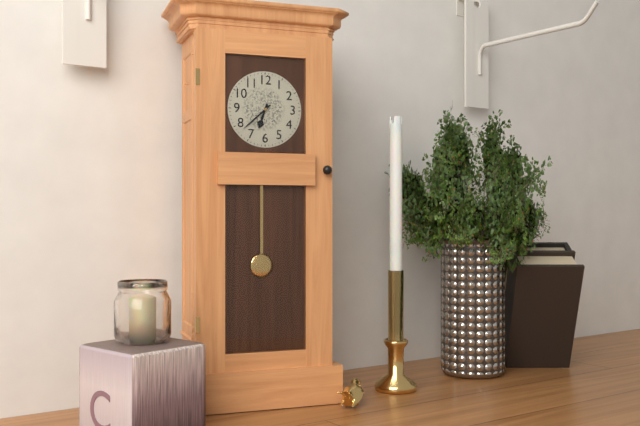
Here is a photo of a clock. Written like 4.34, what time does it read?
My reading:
6.38
